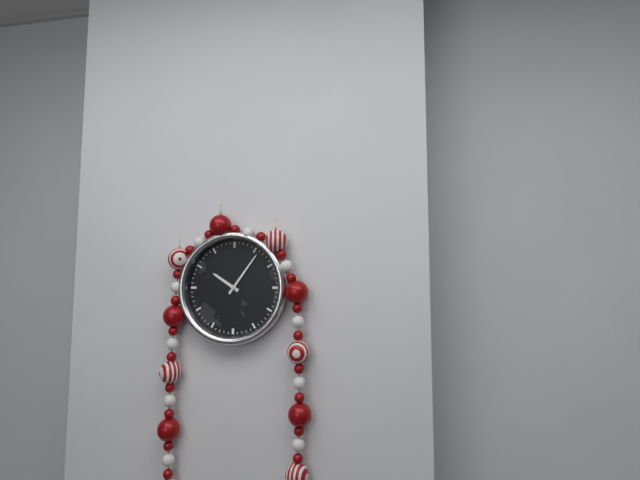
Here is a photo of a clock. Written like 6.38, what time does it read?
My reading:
10.06
